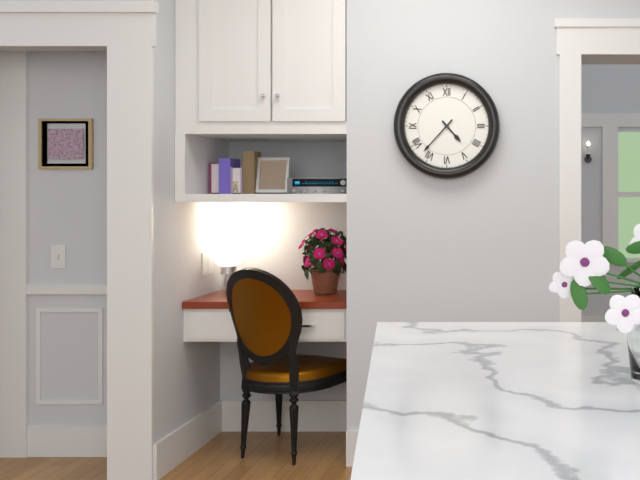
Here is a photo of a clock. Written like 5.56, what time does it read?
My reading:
4.37
